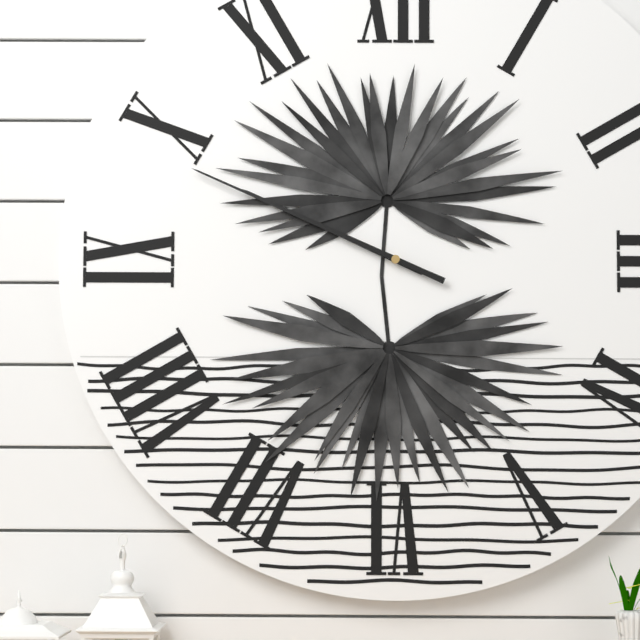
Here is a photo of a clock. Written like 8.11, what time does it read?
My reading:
9.49
